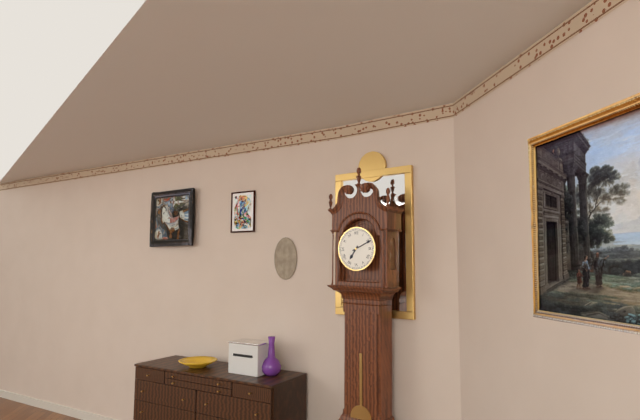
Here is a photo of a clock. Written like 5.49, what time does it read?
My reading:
7.11
